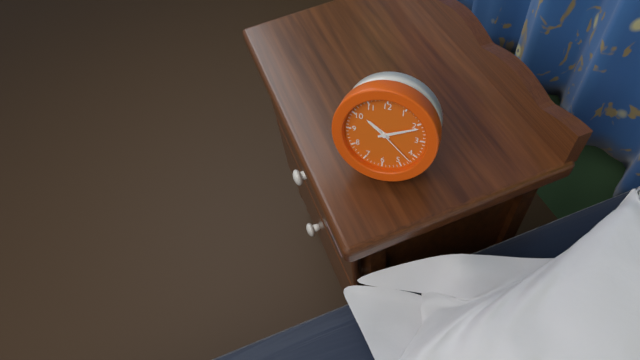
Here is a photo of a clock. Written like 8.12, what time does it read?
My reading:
10.11
